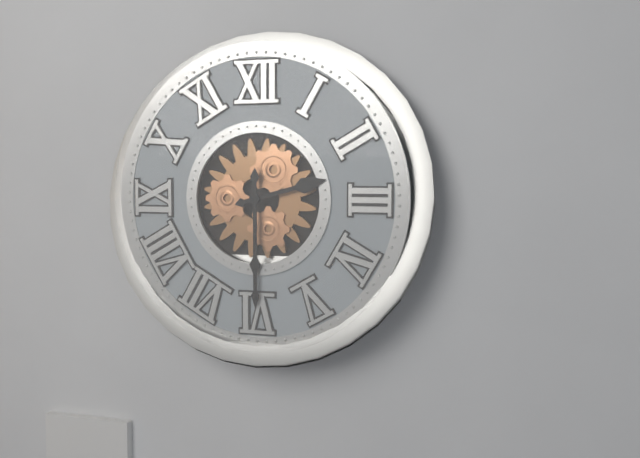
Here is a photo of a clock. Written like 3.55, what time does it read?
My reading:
2.30
